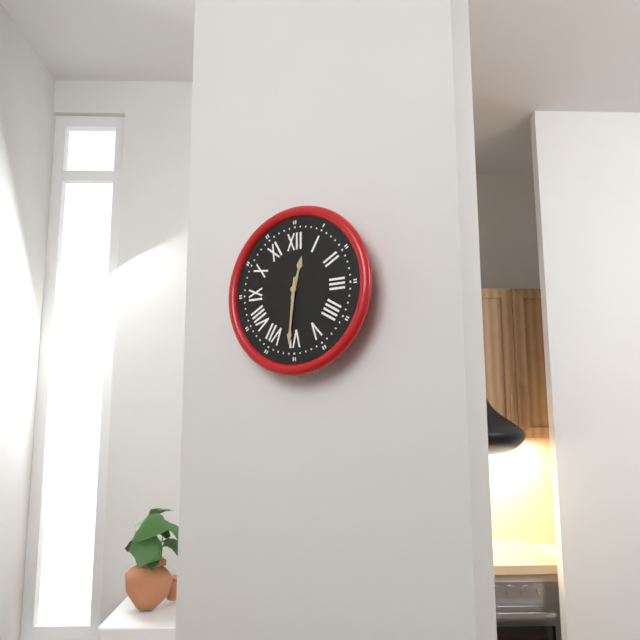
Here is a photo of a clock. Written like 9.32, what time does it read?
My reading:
12.31
